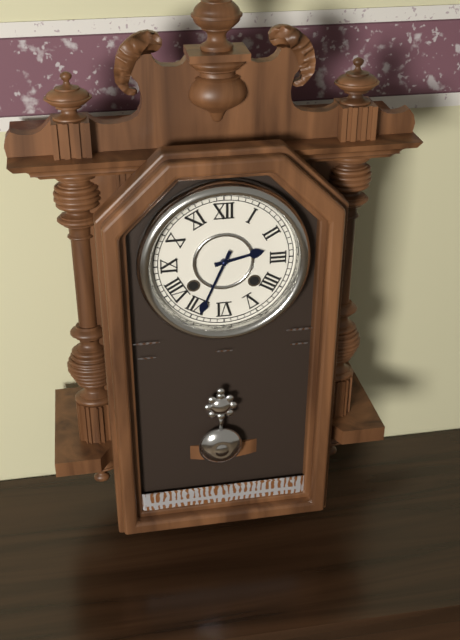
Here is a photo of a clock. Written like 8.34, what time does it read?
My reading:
2.34
